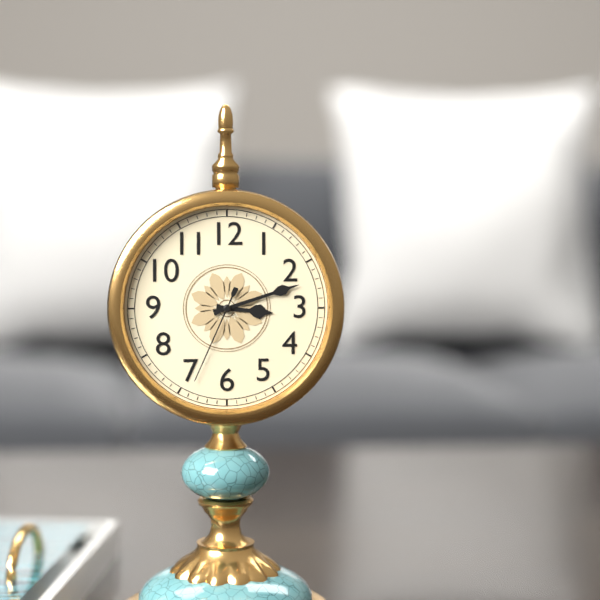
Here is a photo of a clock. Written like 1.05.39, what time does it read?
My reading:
3.12.34
